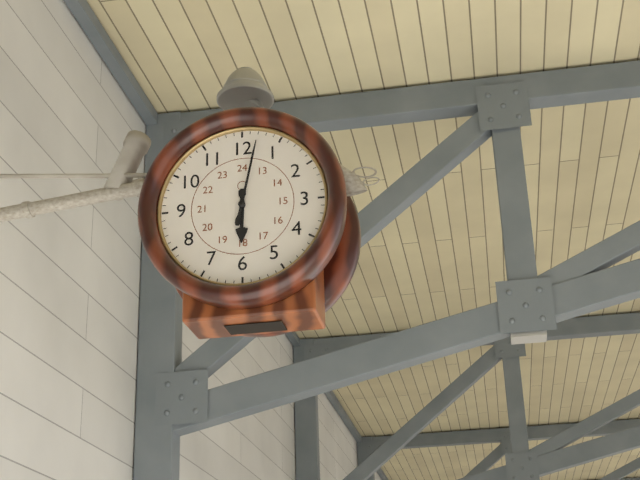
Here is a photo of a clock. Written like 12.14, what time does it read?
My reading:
6.02
